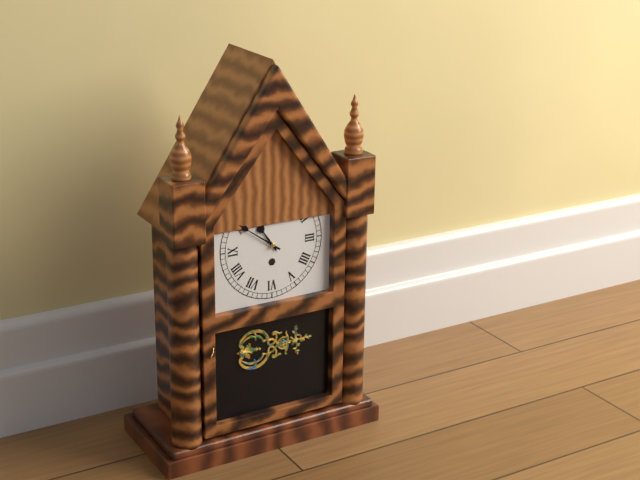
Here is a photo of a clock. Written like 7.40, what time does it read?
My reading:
10.51
